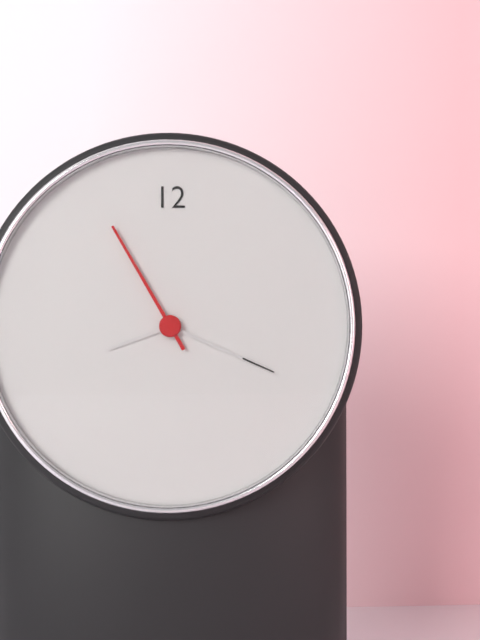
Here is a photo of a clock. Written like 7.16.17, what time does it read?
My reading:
8.19.55
